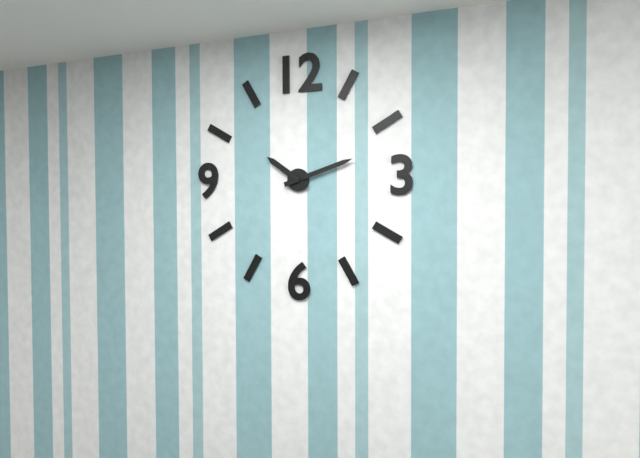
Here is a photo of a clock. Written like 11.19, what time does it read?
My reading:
10.12
